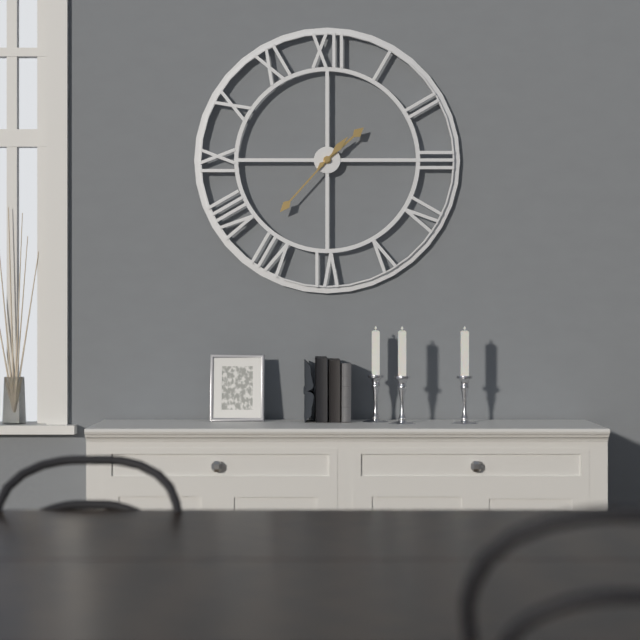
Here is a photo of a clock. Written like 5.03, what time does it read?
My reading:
1.37
